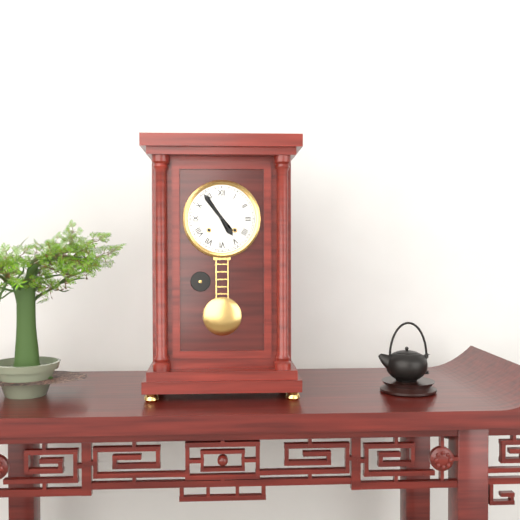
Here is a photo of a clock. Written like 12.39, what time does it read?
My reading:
4.54
